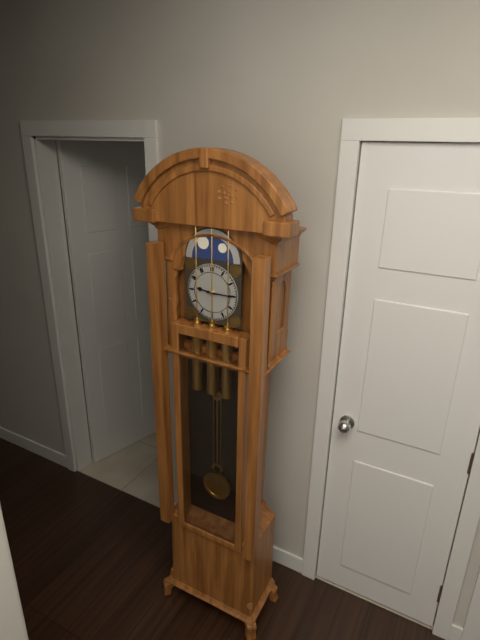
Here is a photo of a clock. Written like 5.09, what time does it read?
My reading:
9.15
